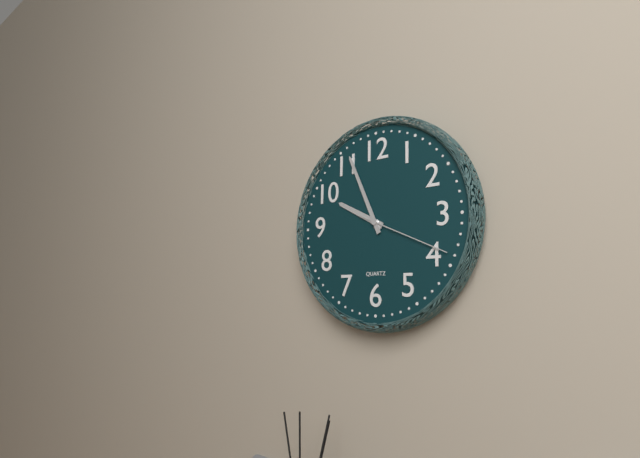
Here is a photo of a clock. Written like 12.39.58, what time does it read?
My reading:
9.56.19
